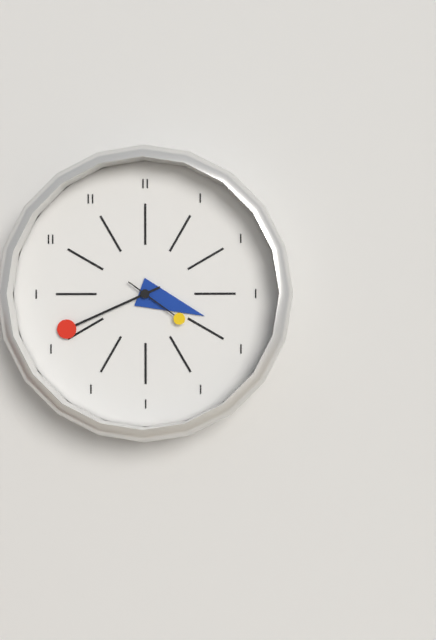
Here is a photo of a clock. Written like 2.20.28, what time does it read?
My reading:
3.41.21
